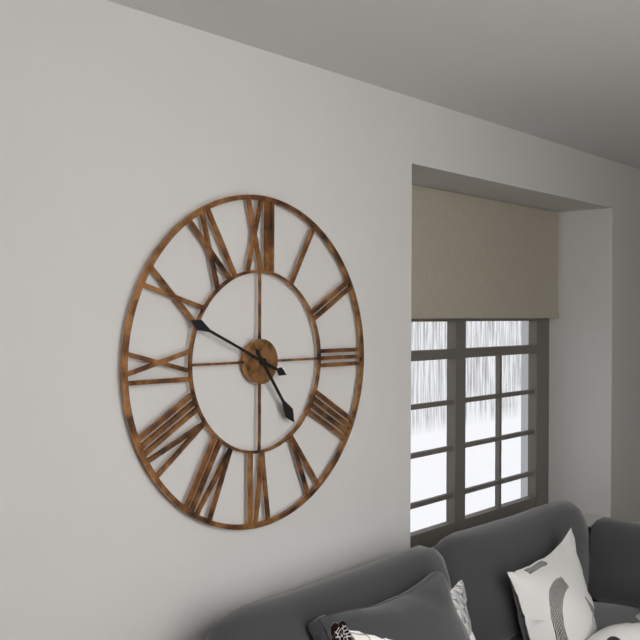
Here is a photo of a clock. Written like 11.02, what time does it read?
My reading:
4.49
